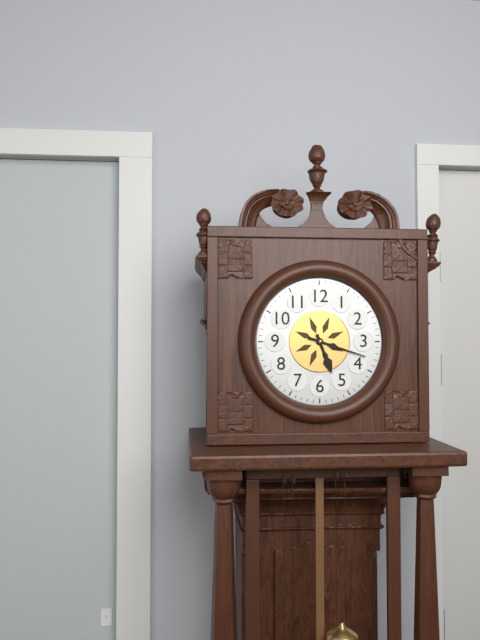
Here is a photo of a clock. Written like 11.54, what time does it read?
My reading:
5.18
